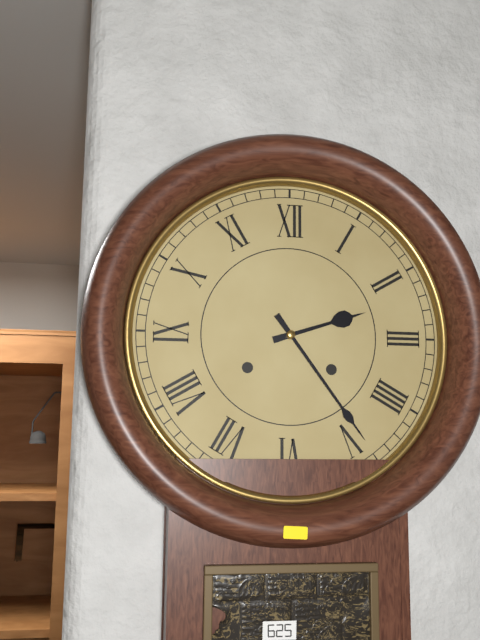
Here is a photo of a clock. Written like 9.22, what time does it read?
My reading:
2.24
